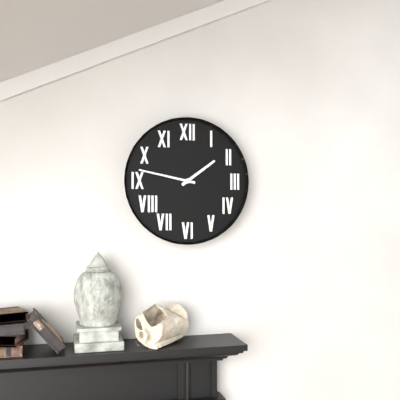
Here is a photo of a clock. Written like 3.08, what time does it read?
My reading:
1.47
